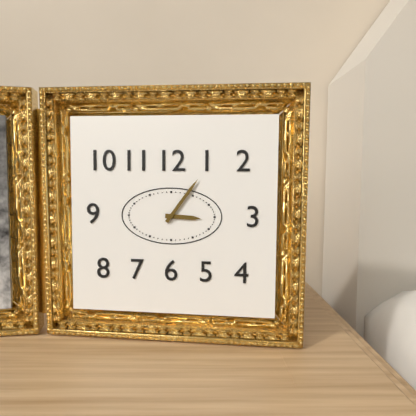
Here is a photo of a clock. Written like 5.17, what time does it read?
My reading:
3.06
